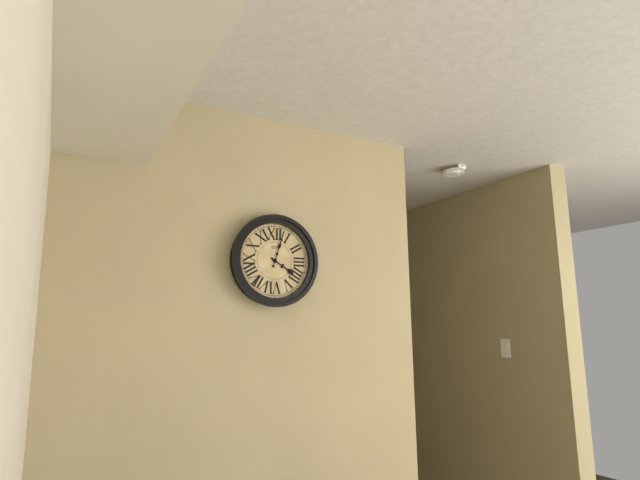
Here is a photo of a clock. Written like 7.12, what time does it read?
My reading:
4.03
